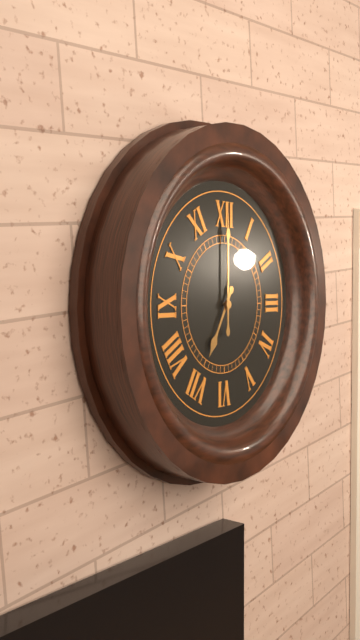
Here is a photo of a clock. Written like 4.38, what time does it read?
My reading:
7.00
